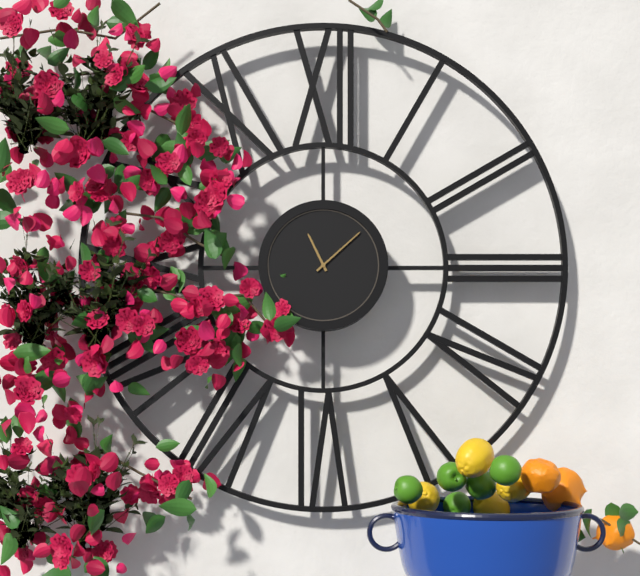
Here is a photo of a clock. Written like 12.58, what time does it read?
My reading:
11.08
